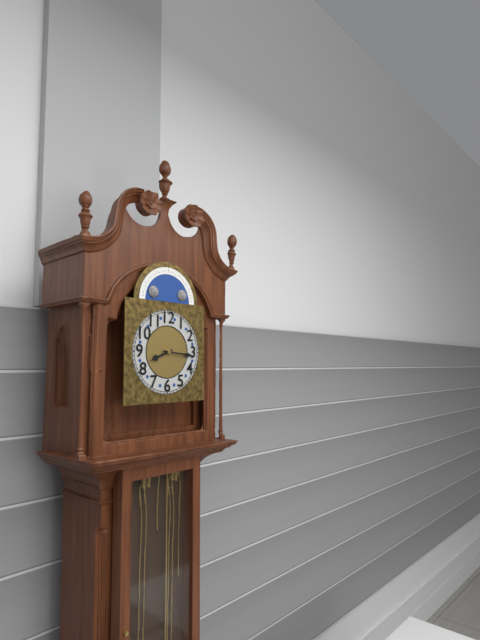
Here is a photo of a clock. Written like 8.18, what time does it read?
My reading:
8.16
